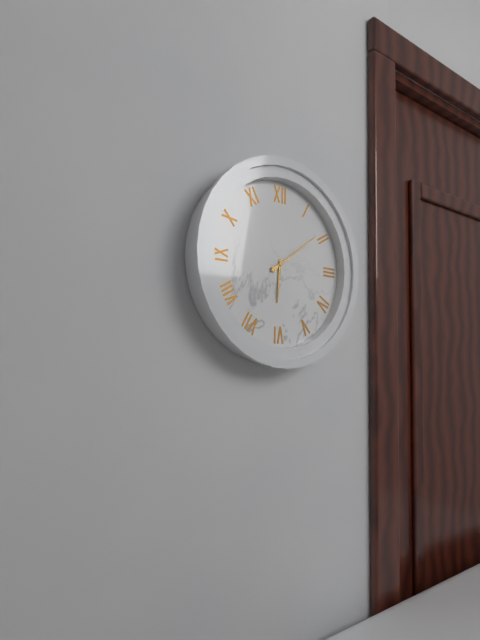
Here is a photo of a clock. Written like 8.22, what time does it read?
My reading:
6.09
